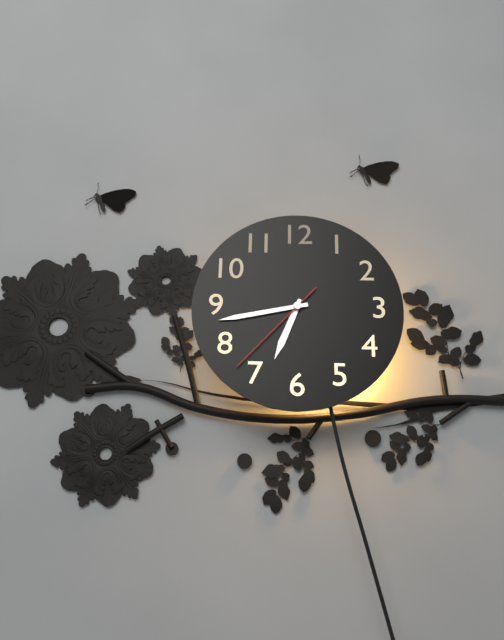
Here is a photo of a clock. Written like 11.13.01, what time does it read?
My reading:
6.43.37
